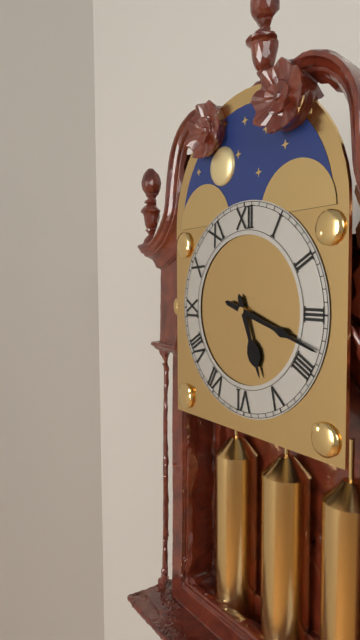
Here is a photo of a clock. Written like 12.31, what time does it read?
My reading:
5.18
